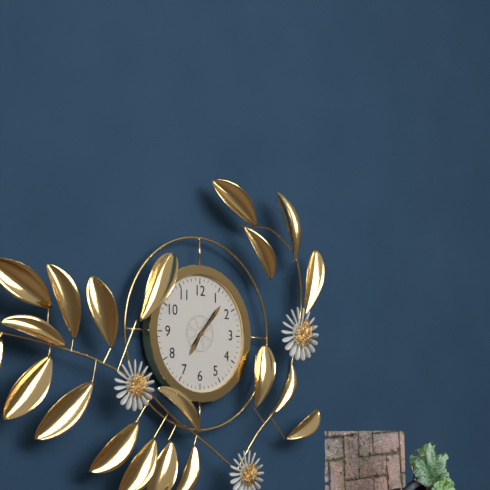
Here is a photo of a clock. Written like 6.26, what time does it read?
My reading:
7.07
